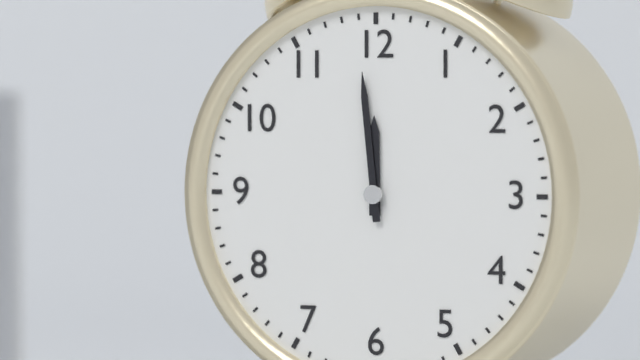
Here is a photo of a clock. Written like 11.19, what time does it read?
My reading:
11.59
